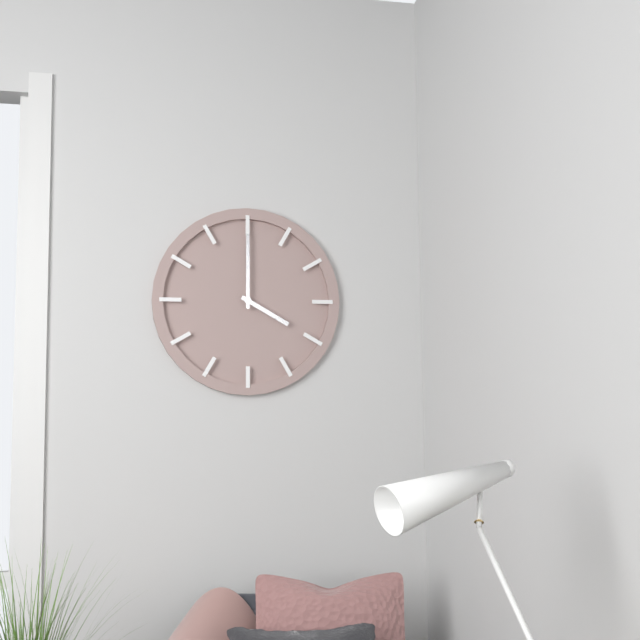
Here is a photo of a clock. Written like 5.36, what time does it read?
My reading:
4.00
